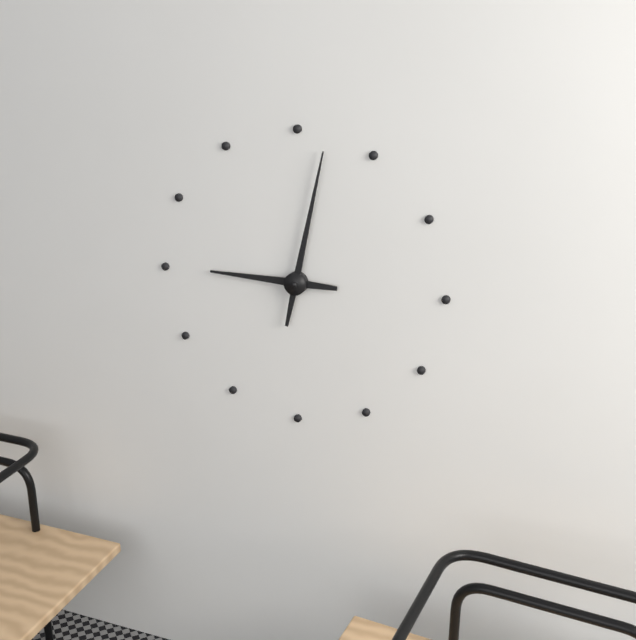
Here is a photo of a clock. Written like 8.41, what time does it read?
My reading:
9.02
